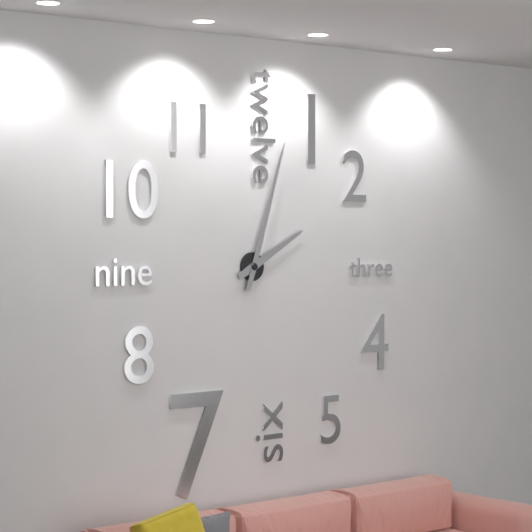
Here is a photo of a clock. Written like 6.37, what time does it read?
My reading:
2.03
